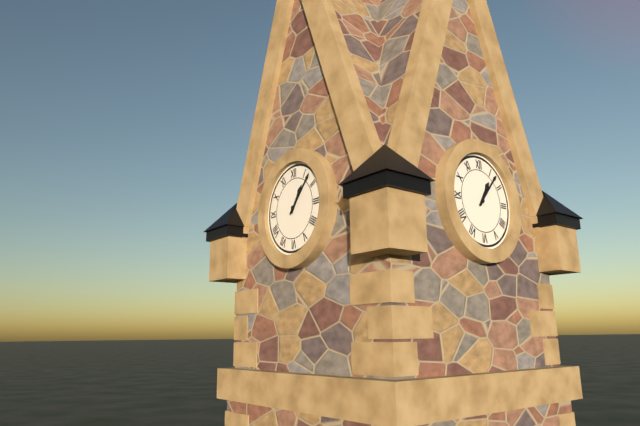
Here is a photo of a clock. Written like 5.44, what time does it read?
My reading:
1.07
